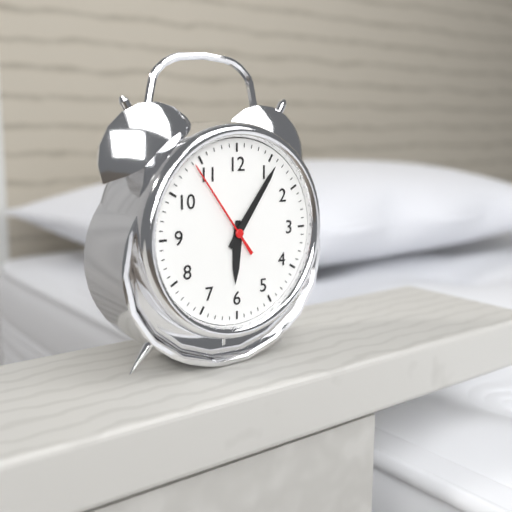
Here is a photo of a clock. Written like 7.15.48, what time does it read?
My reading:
6.06.54
